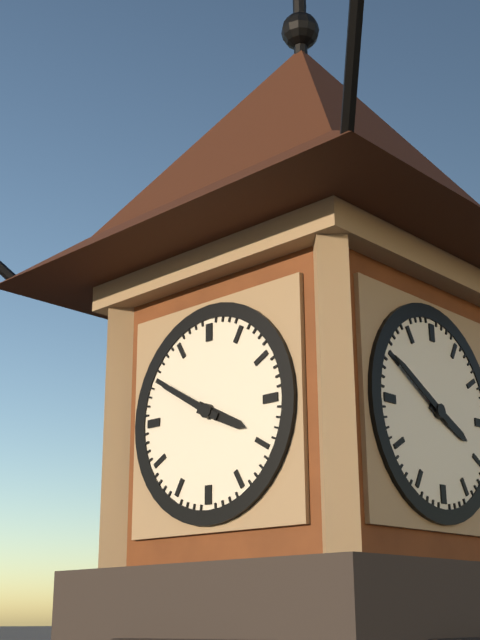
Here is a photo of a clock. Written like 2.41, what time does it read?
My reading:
3.50
